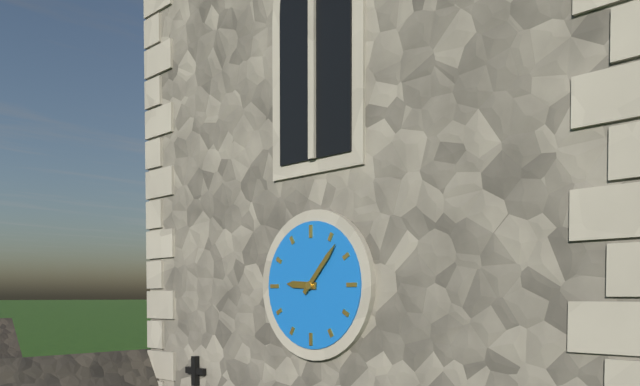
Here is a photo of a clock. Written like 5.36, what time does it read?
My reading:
9.07
